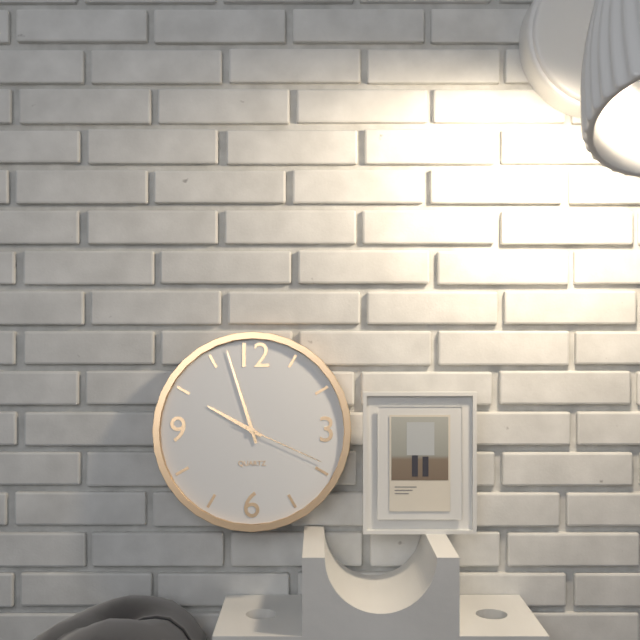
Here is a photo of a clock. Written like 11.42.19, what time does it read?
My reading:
9.57.19
